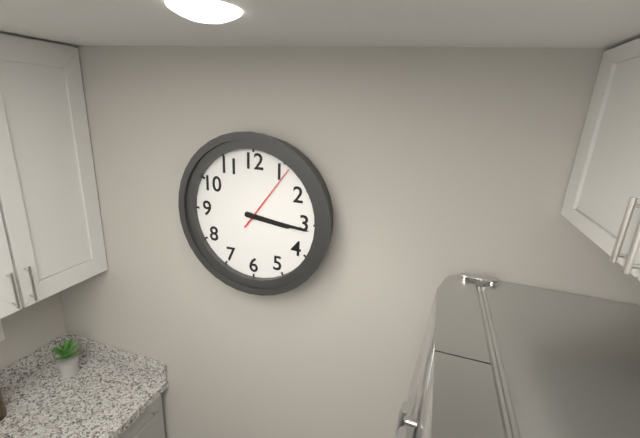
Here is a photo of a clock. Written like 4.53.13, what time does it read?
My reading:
3.16.06
